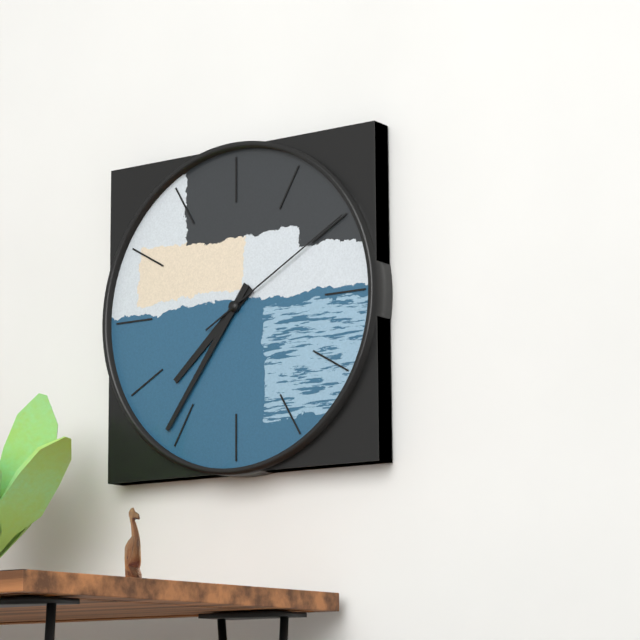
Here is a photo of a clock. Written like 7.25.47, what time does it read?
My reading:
7.36.10
